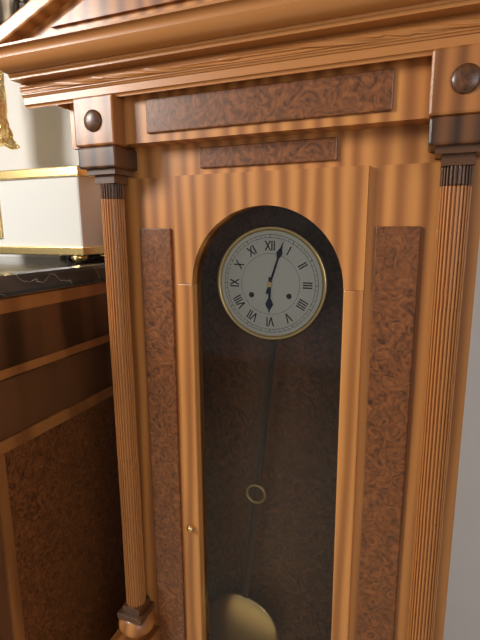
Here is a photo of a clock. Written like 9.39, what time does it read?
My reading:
6.03
